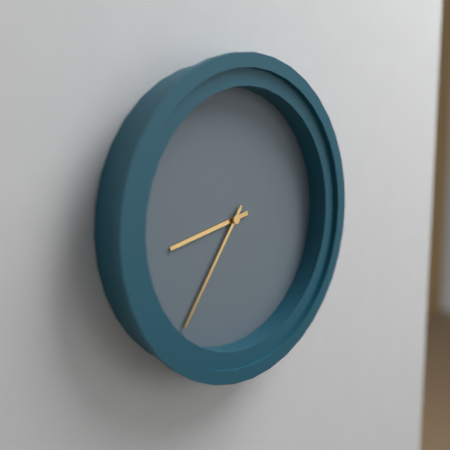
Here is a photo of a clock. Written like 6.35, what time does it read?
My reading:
8.36
